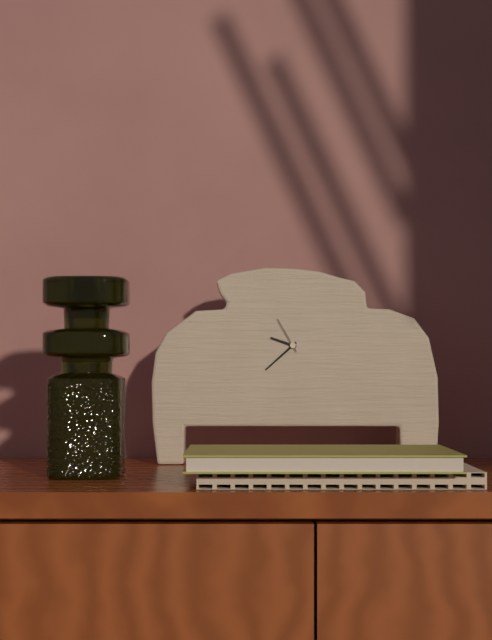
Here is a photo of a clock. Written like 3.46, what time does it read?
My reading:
9.38
